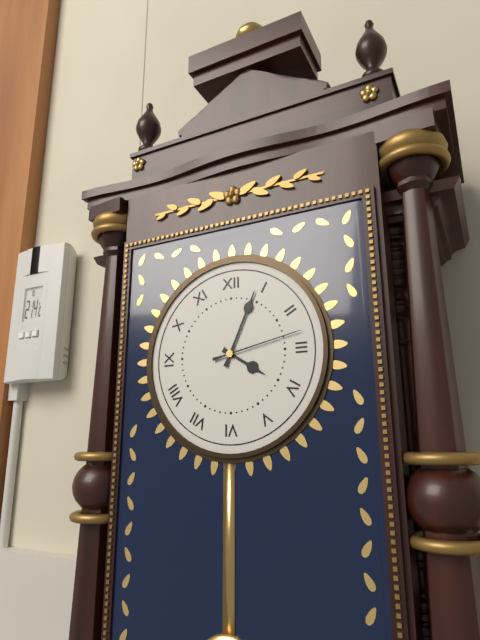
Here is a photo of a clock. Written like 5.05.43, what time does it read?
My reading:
4.04.13
